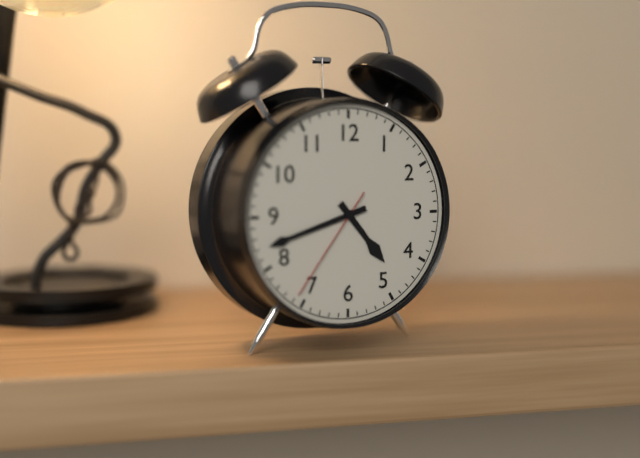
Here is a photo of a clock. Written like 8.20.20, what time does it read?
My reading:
4.42.36
